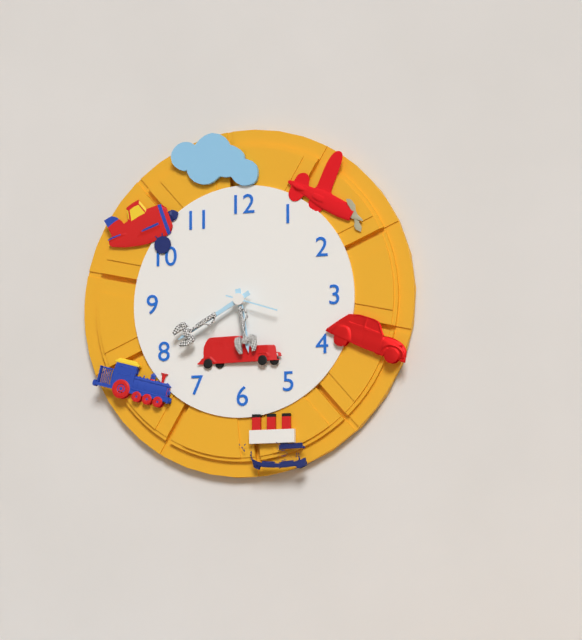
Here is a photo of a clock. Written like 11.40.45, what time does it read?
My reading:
5.40.18
